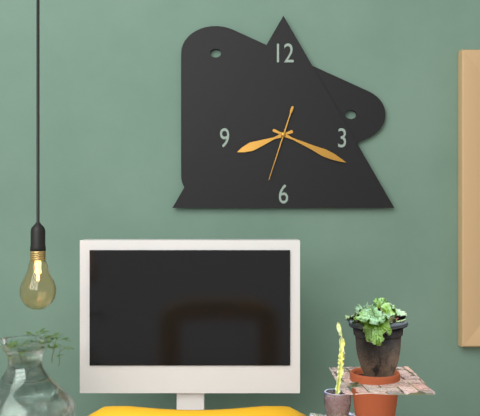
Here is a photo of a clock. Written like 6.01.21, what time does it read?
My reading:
8.19.33
